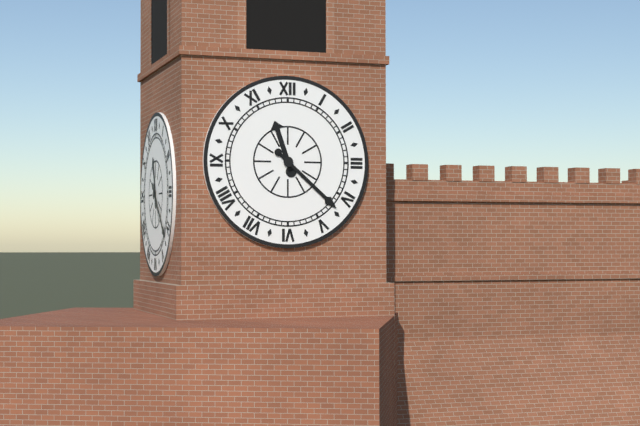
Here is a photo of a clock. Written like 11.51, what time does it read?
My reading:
11.22
